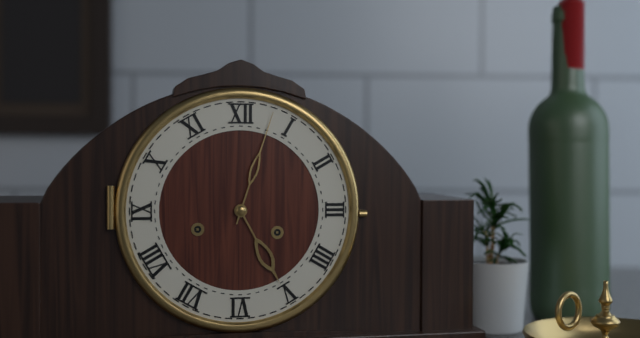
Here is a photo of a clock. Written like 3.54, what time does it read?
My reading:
5.03
